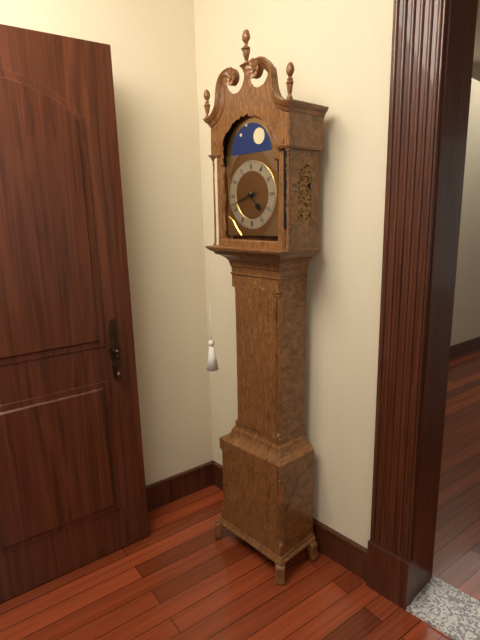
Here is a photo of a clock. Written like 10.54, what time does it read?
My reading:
4.42
